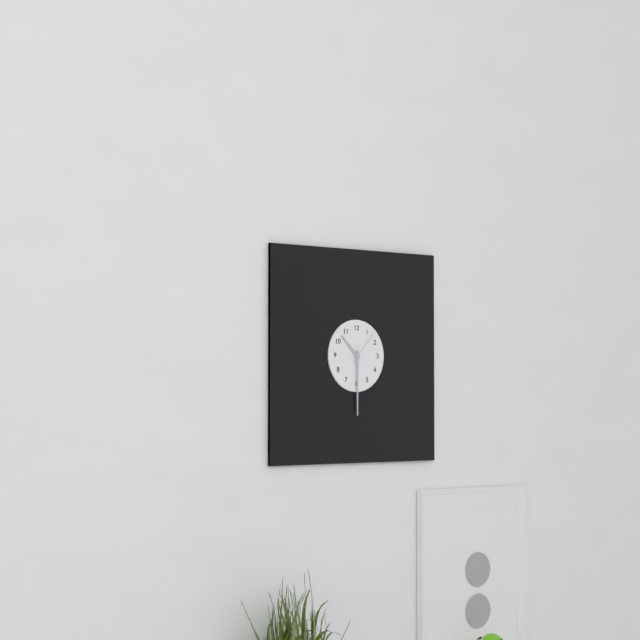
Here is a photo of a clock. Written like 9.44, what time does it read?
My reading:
10.30
